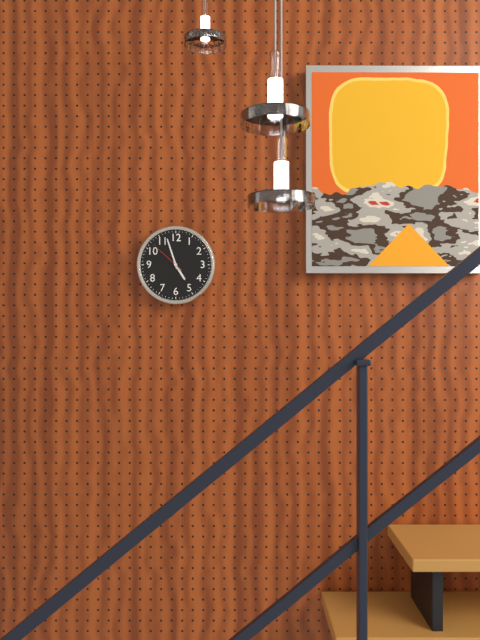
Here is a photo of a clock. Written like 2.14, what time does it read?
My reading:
4.57
